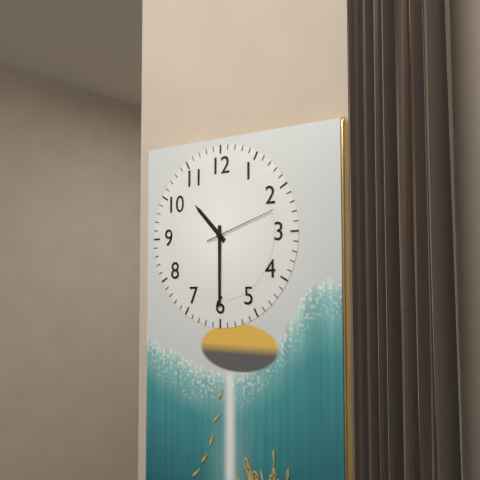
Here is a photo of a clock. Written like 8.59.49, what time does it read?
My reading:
10.30.12
